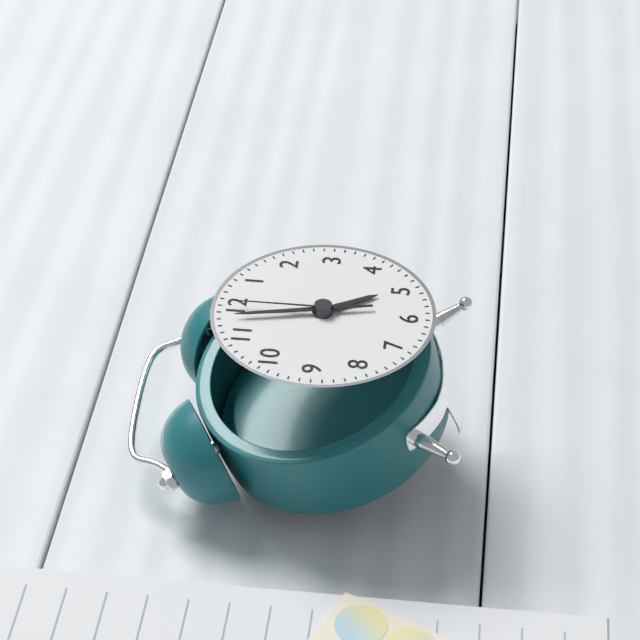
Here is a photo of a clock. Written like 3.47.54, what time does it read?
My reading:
4.58.00
